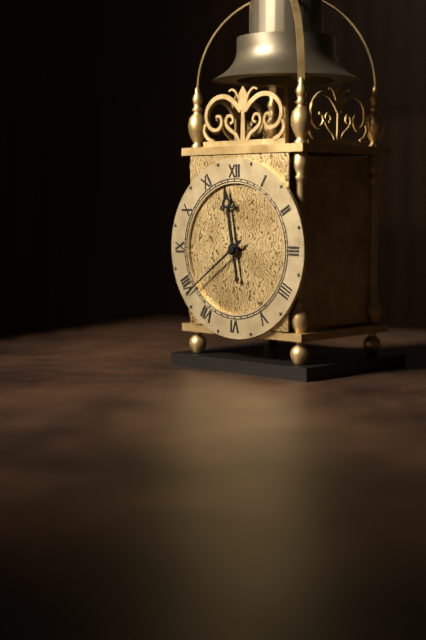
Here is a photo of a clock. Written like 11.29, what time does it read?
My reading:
11.39
